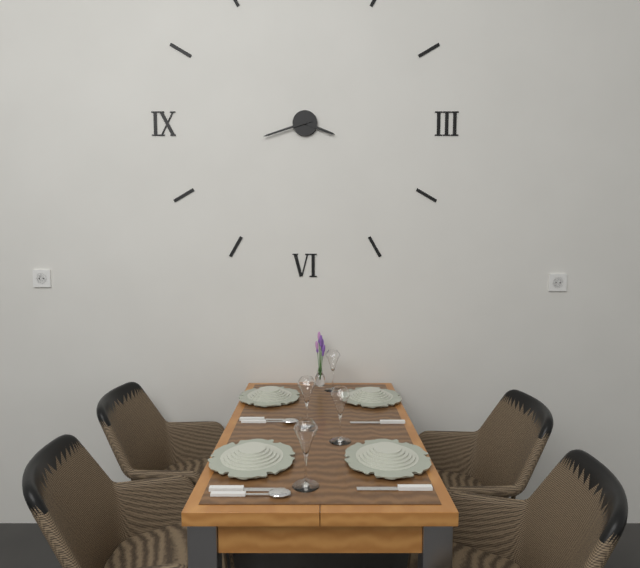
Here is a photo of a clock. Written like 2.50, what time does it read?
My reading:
3.42
